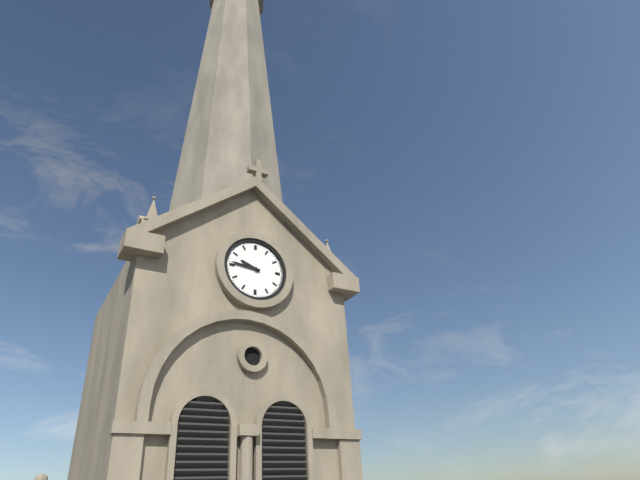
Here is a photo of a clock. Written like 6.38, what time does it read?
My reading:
9.46
